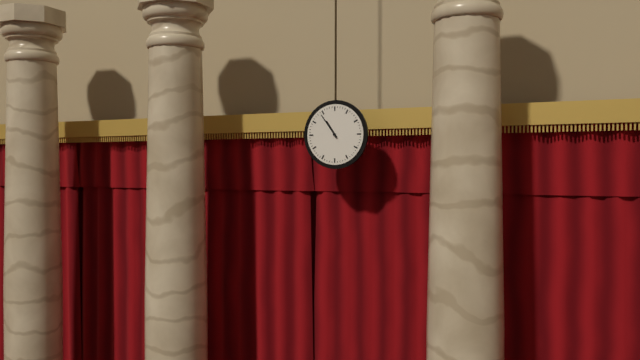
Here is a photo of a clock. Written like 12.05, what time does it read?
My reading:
10.54
